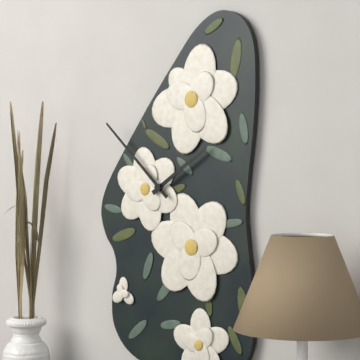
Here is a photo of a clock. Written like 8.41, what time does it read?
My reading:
1.52
